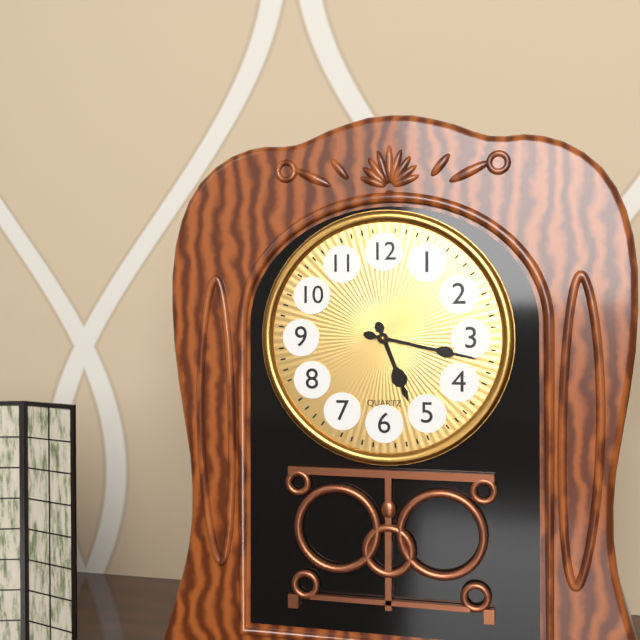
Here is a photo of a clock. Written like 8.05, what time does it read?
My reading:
5.17
